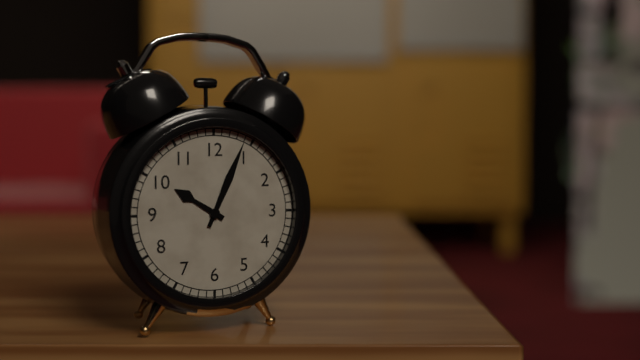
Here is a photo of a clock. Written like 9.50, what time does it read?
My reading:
10.04
